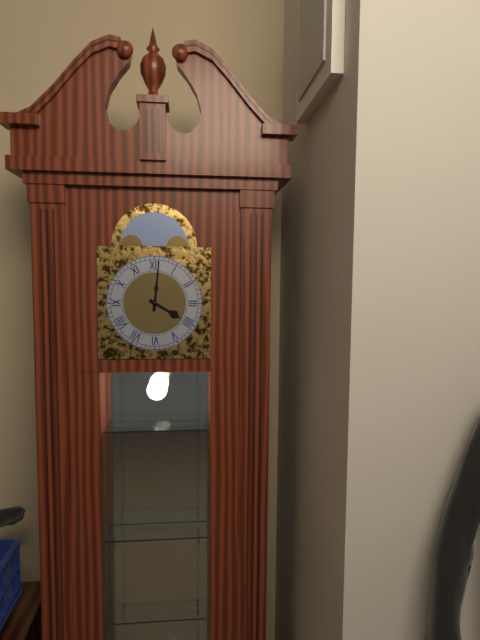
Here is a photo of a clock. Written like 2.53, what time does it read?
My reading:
4.01
